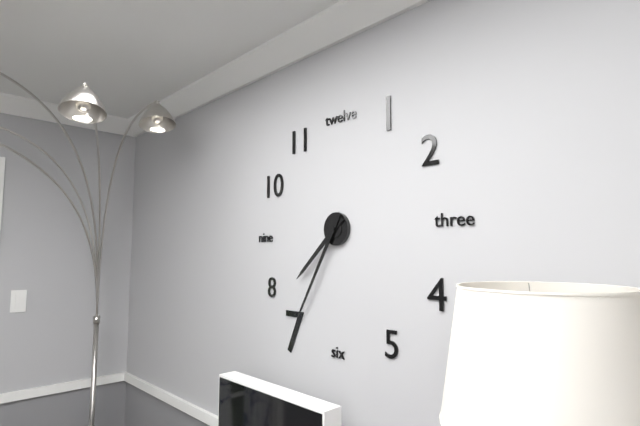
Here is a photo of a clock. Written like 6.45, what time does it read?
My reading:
7.35
